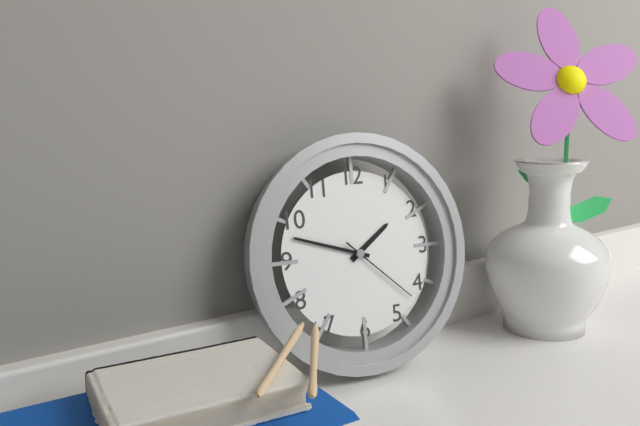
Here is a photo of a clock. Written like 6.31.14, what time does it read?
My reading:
1.48.22
